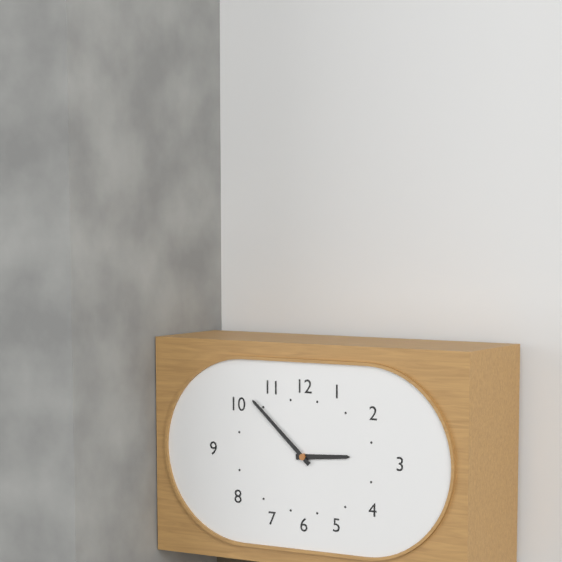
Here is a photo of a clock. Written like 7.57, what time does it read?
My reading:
2.52
